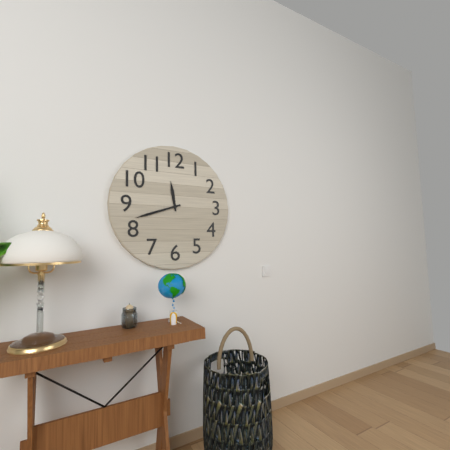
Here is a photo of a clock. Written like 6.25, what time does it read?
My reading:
11.42
